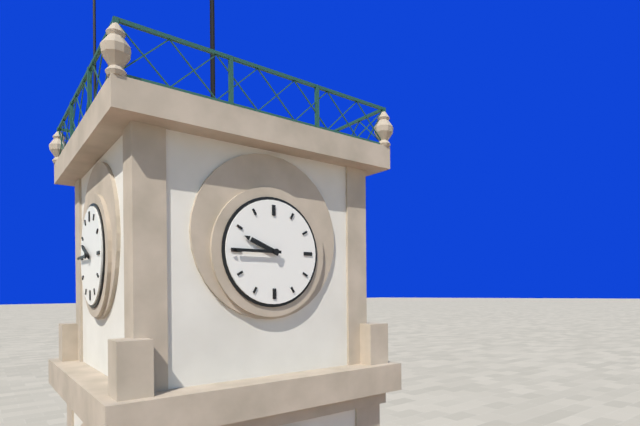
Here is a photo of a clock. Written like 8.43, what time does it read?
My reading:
9.45
